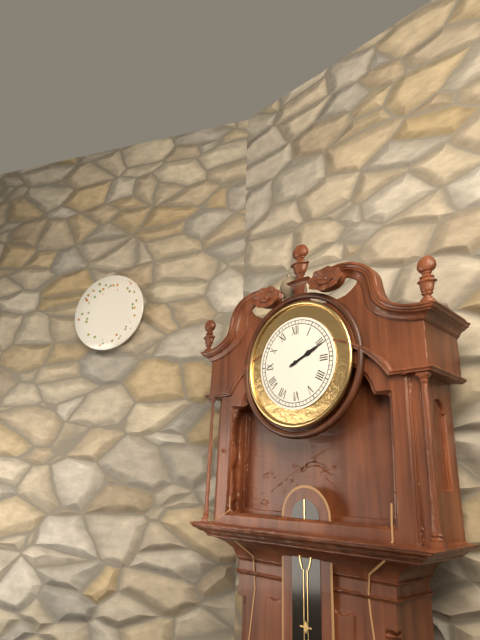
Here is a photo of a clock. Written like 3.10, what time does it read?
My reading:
2.11
